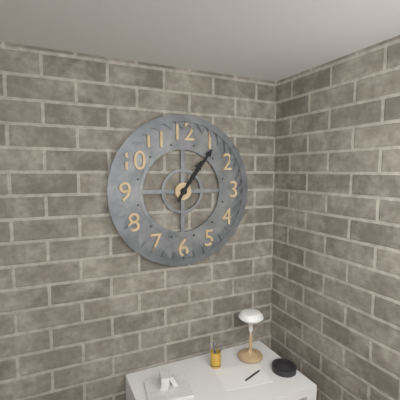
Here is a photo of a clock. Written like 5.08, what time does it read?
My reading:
1.06
